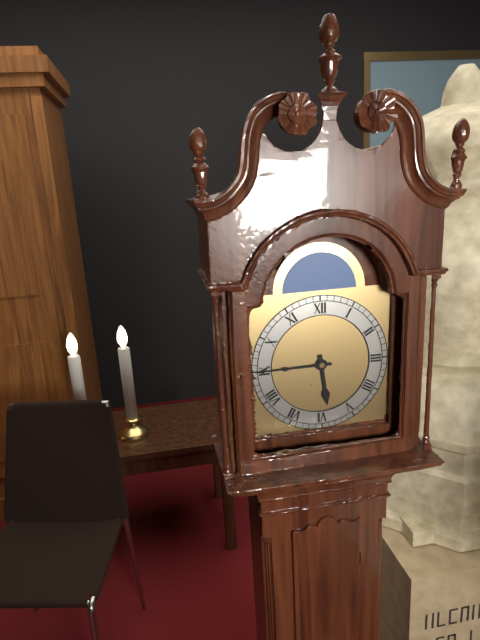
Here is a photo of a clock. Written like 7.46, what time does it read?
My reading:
5.45
